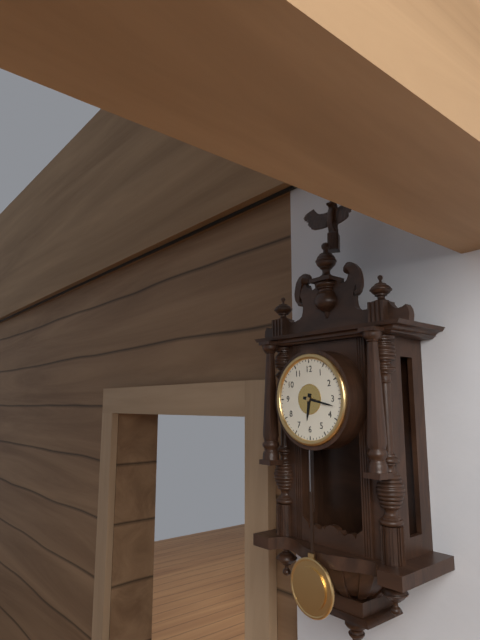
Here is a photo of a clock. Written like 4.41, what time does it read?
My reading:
6.17
